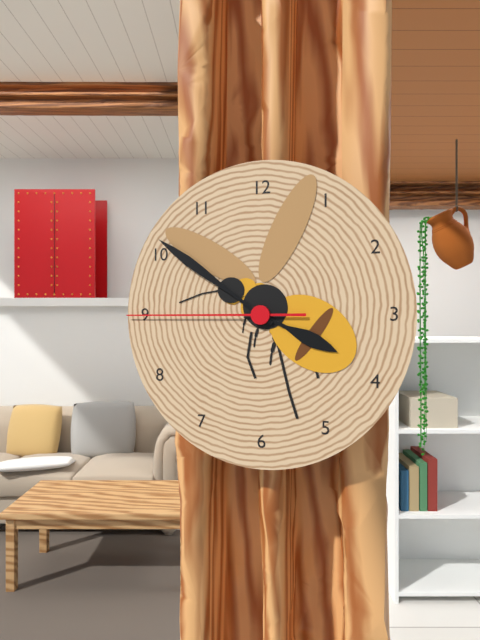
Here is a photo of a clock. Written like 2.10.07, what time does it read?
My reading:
3.51.45
